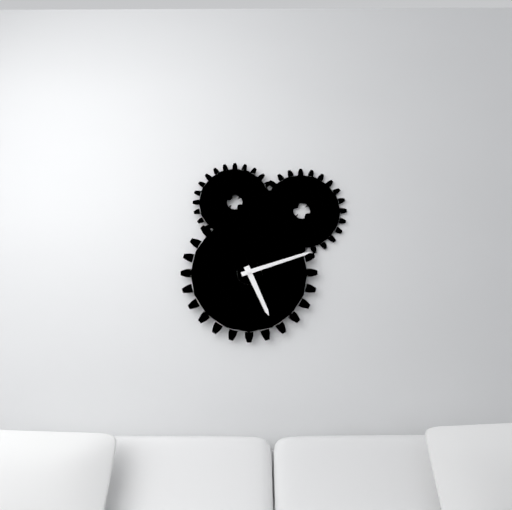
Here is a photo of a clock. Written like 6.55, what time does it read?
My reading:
5.12
